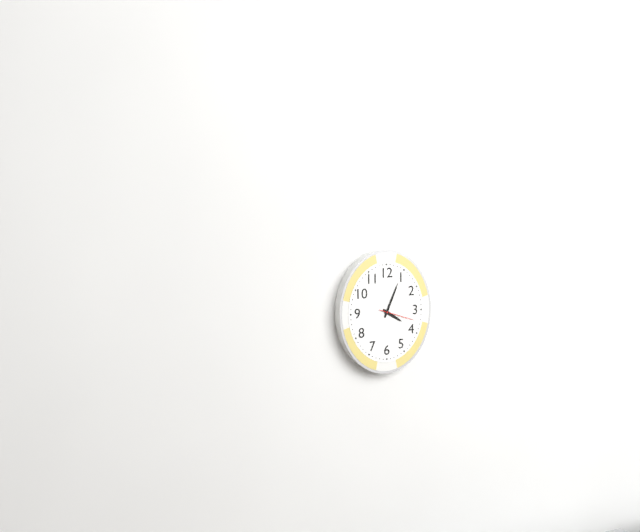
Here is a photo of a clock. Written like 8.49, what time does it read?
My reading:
4.04
